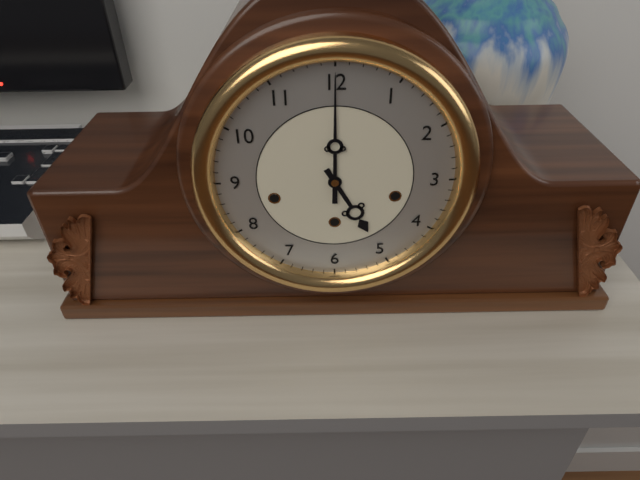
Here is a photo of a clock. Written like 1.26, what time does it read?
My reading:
5.00
